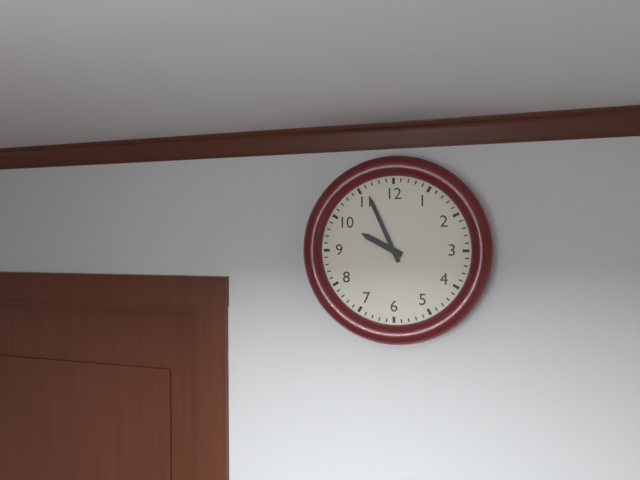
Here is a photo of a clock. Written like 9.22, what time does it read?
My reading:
9.56
